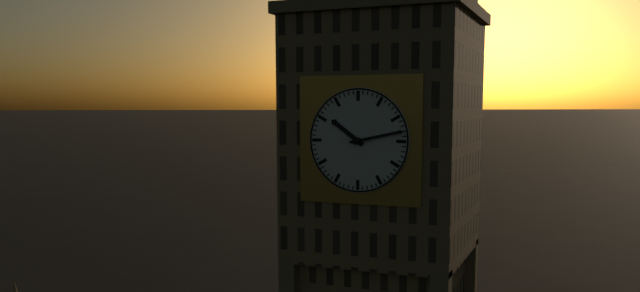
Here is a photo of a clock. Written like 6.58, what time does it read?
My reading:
10.13
